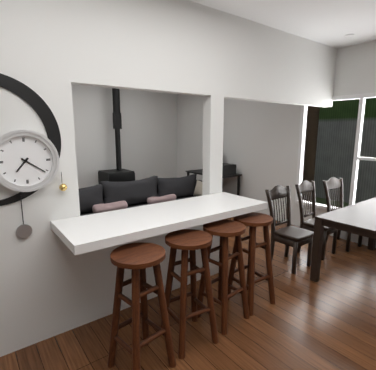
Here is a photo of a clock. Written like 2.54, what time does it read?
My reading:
7.21
